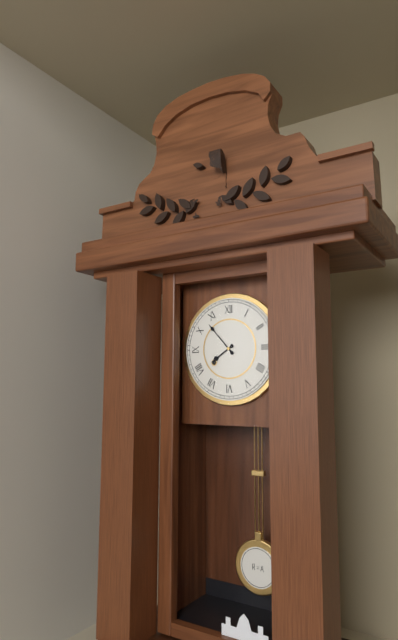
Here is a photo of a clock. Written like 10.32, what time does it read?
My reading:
7.53
